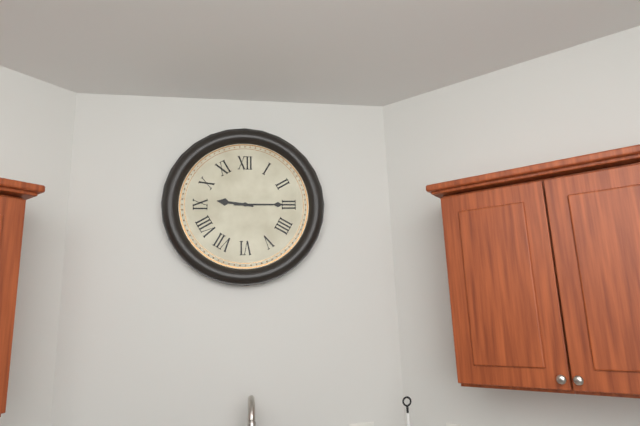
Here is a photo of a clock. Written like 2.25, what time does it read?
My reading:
9.15
